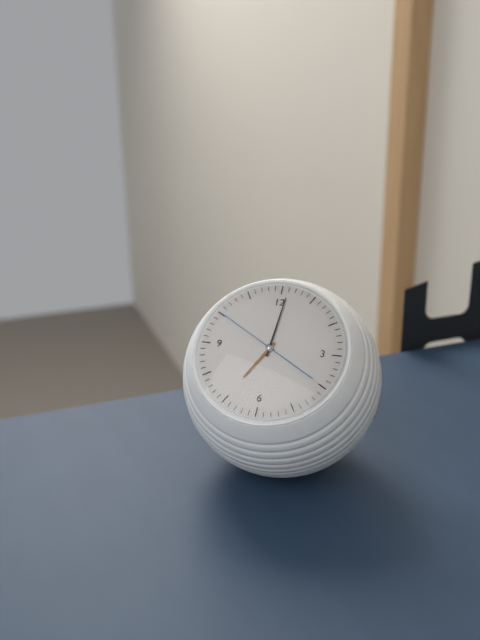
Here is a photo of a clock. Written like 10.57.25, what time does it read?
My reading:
7.01.50
